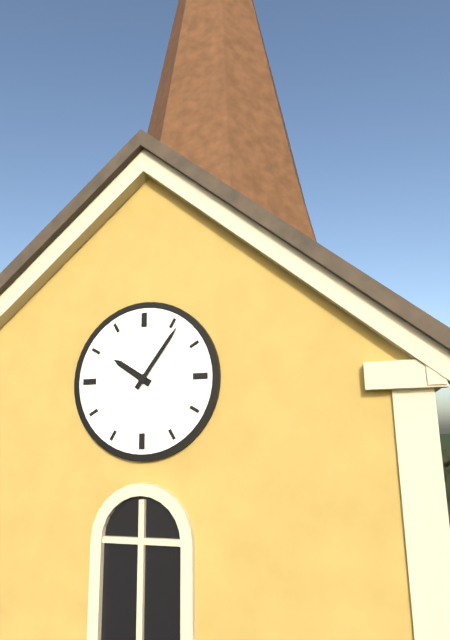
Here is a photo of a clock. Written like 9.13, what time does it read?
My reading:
10.06
